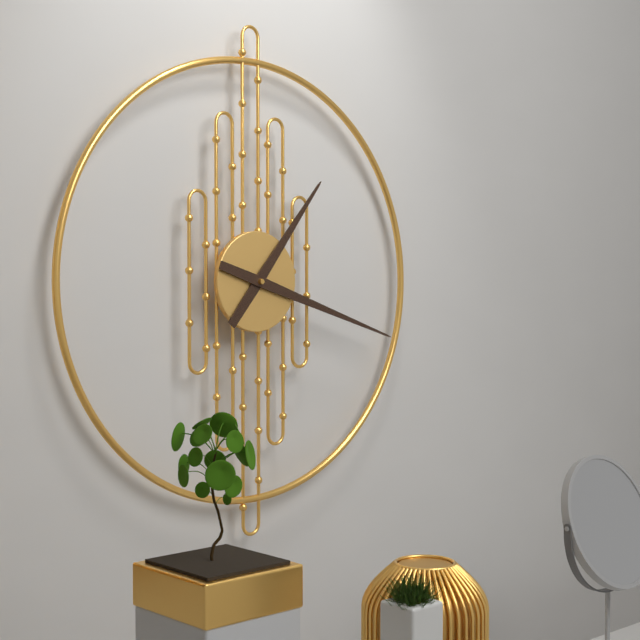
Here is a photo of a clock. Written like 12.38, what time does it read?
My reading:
1.18
